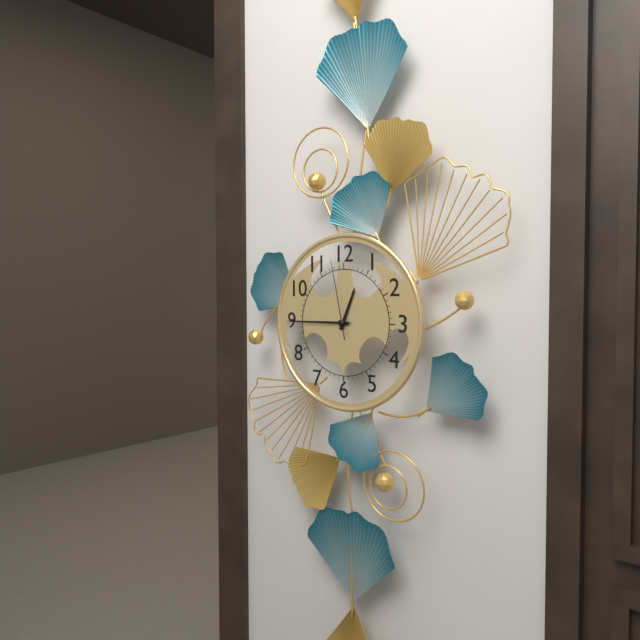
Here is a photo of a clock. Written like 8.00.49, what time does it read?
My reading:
12.45.58
